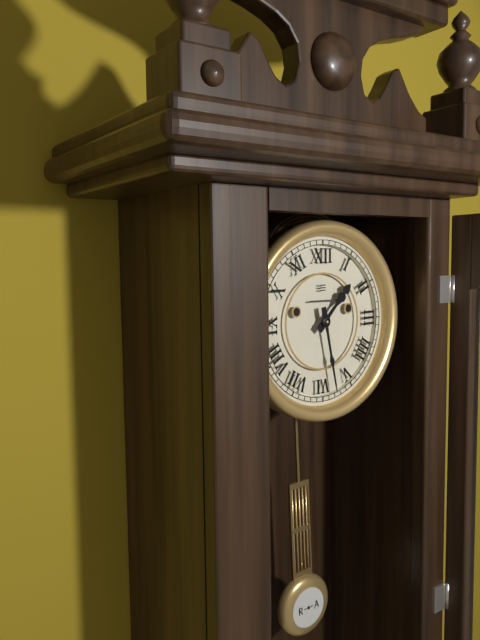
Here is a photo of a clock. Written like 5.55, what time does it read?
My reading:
1.28
